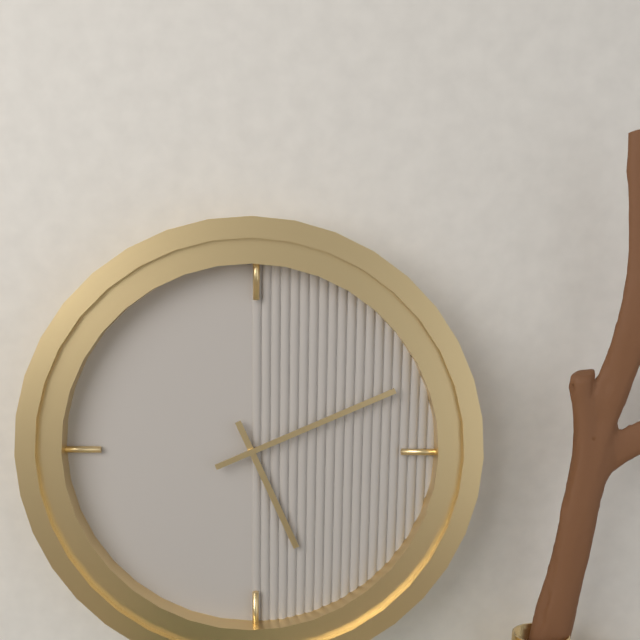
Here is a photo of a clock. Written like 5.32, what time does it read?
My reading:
5.11
